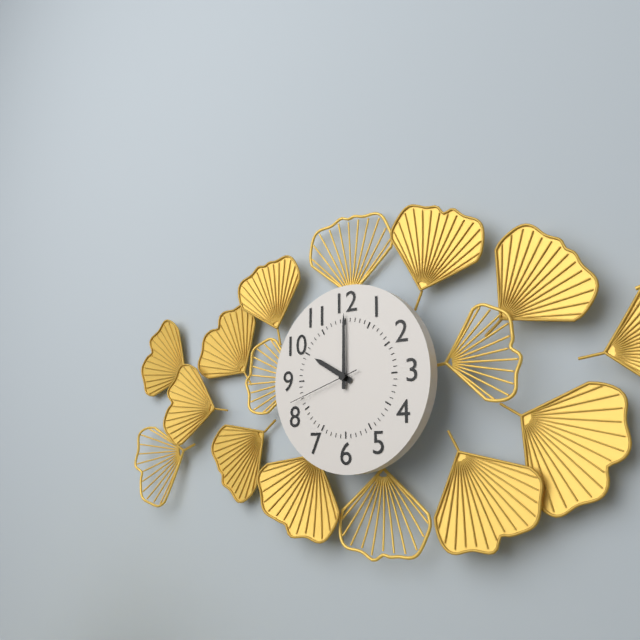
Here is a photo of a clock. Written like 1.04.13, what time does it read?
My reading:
10.00.42
